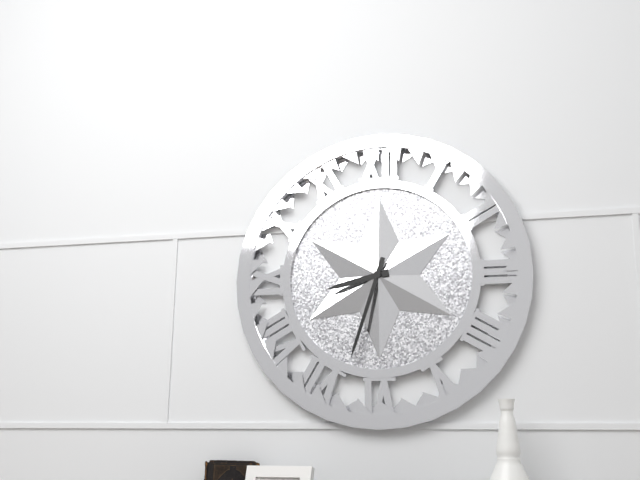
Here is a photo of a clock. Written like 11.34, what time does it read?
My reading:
8.33
